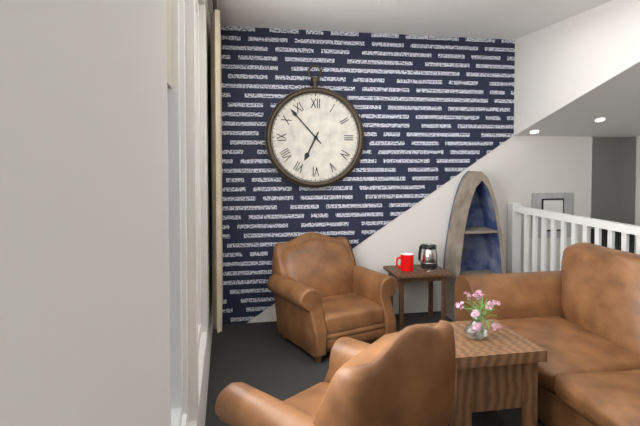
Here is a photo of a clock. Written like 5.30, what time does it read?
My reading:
6.53
